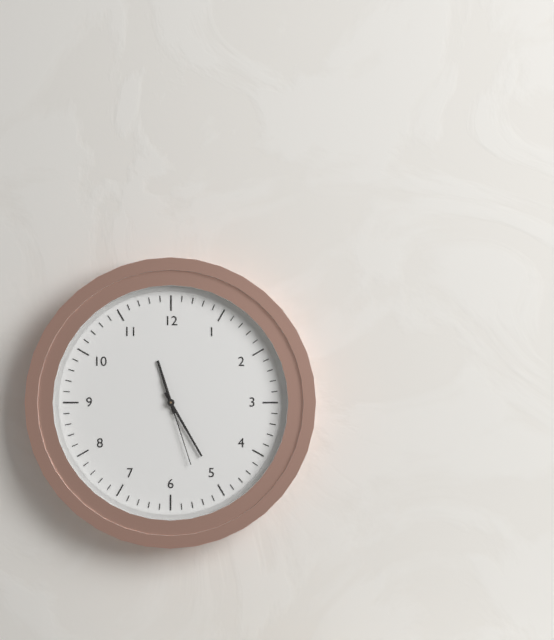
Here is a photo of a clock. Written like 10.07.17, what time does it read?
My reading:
11.25.27
